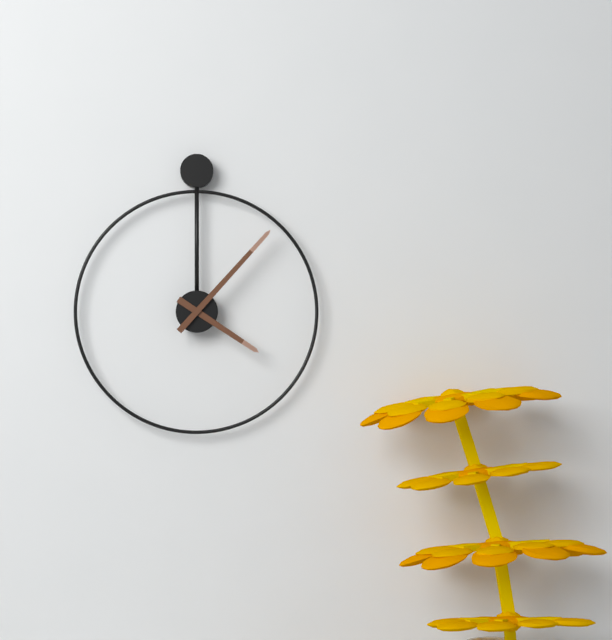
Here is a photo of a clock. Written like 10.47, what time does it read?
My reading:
4.07
